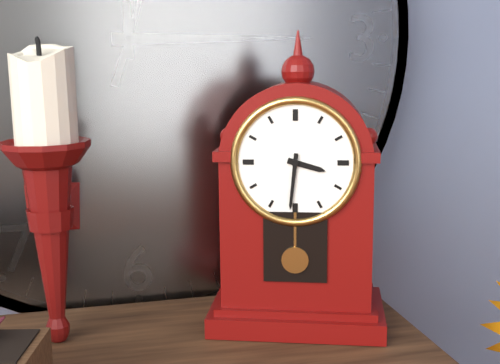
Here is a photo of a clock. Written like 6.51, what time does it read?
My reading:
3.31
